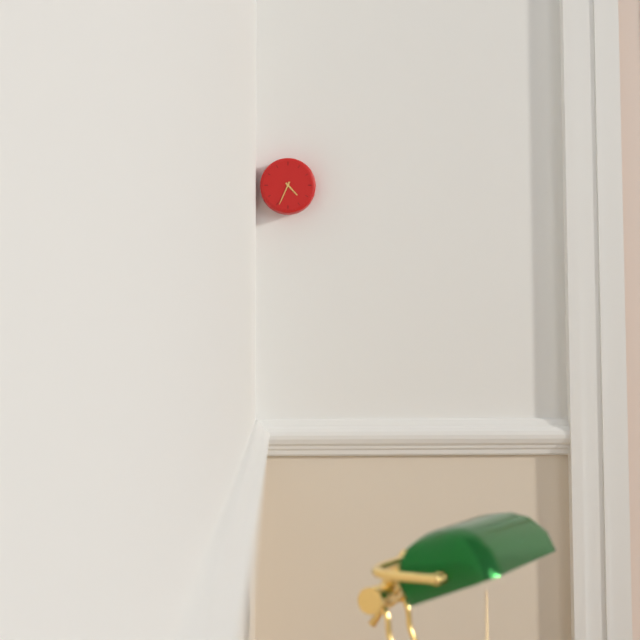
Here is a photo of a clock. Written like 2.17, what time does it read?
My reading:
4.34
